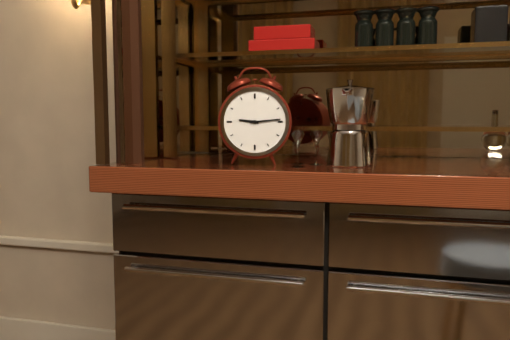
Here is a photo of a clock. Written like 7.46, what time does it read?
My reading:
9.14
